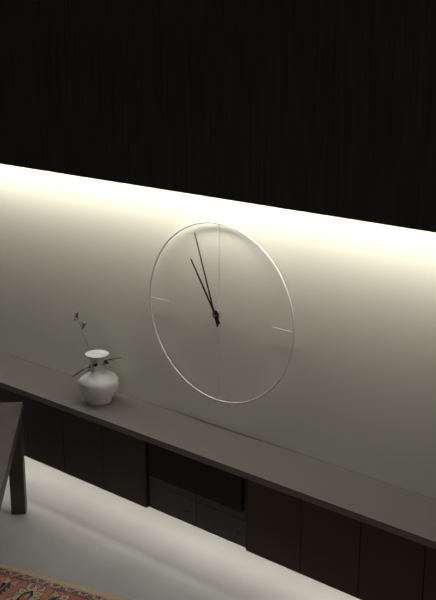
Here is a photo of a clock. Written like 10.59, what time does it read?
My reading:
10.57
